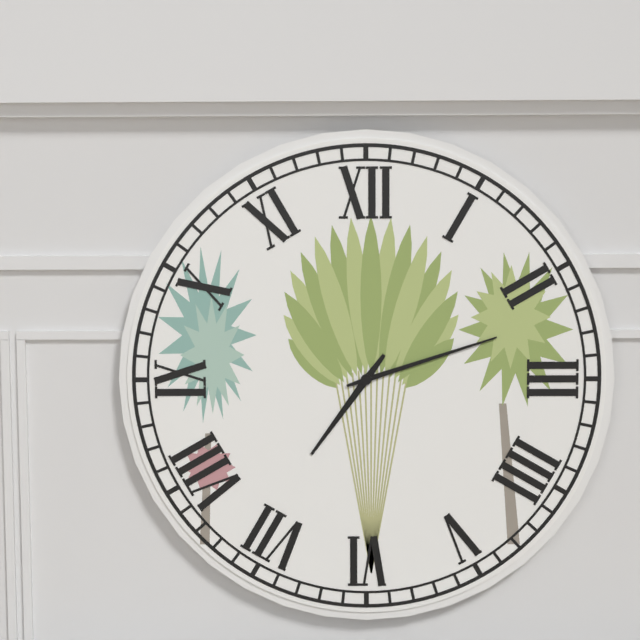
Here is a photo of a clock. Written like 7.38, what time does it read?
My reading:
7.12
